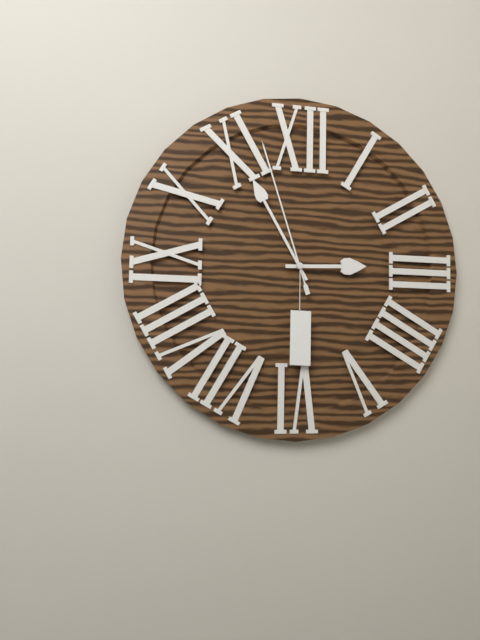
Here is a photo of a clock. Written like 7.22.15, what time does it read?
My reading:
2.55.57
